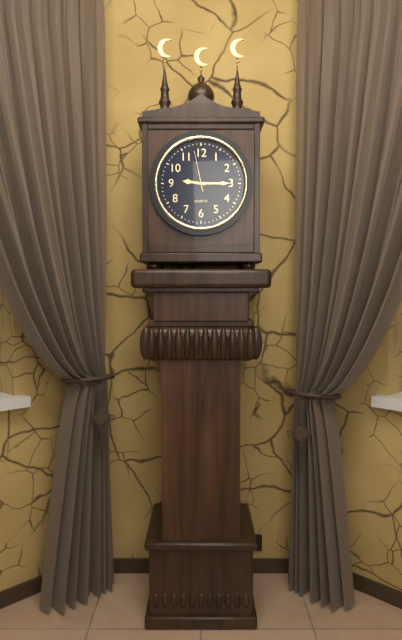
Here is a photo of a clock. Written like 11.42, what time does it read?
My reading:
9.15
